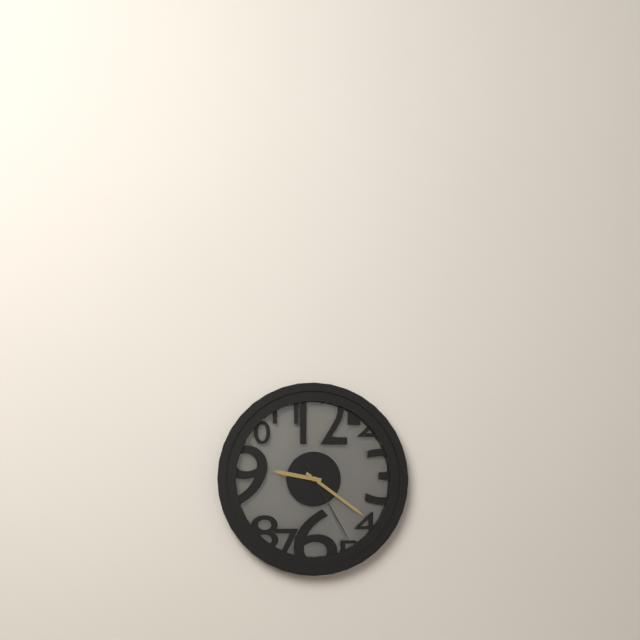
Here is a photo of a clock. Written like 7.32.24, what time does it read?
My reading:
9.21.25
